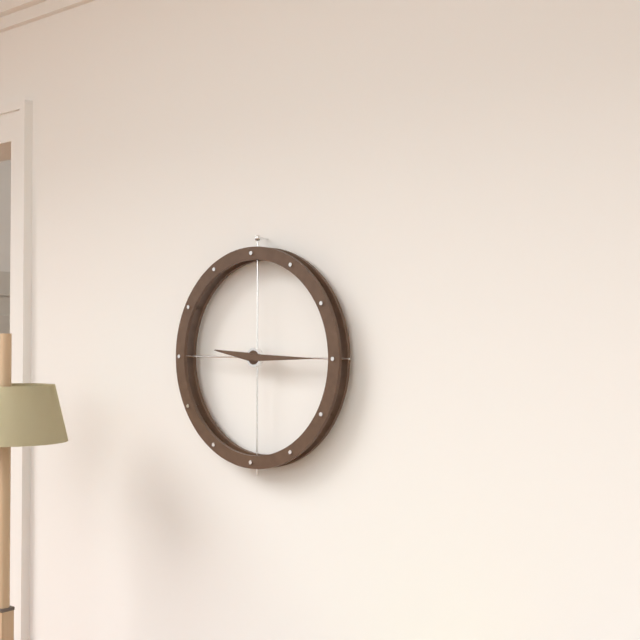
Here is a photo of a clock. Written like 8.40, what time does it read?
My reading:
9.15
